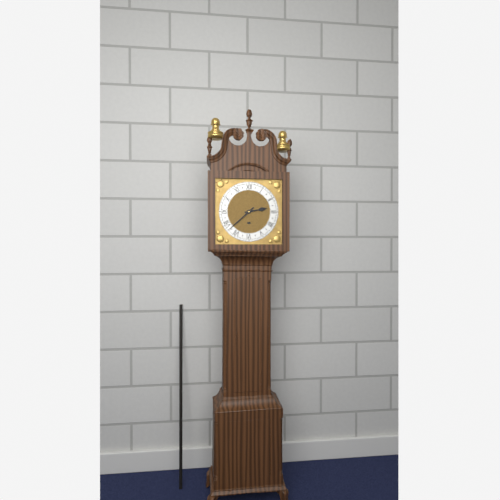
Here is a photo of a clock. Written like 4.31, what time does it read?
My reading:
2.38
